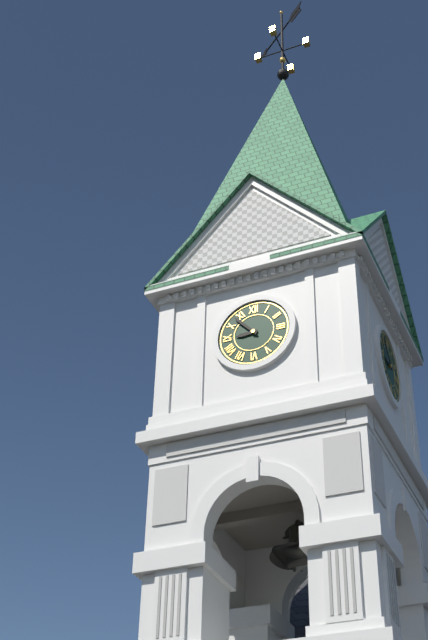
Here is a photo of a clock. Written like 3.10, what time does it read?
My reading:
8.53
